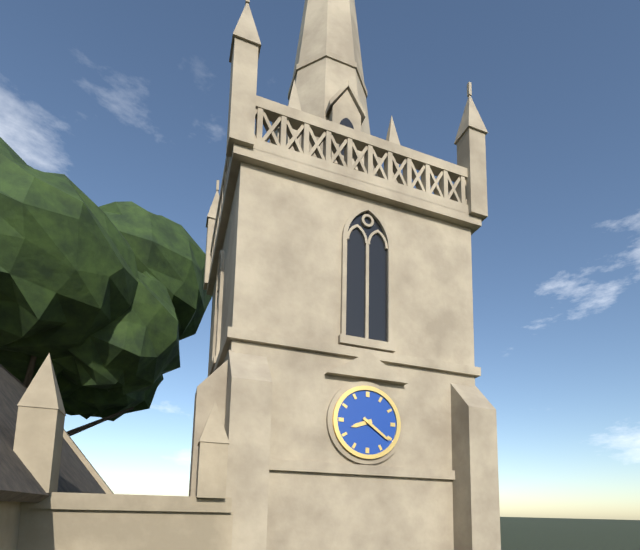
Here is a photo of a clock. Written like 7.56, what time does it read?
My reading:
8.21
